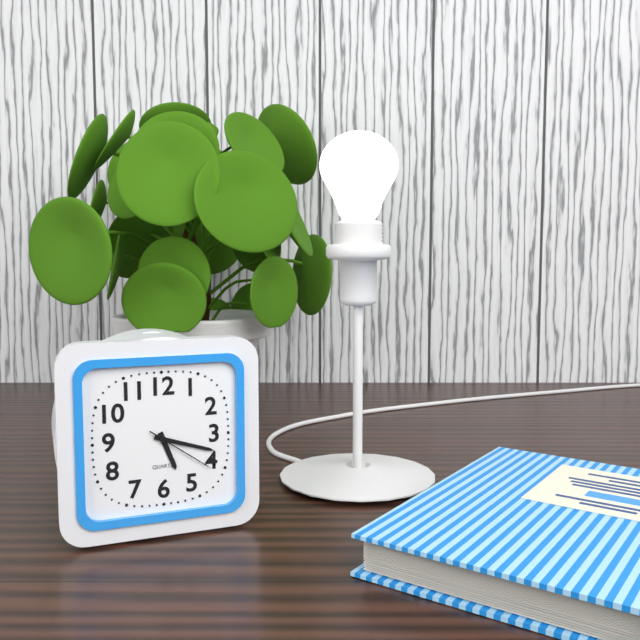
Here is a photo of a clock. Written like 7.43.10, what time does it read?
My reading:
5.18.21
